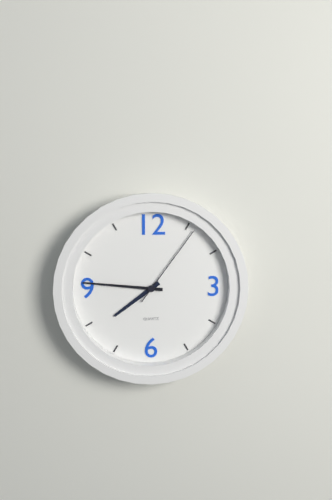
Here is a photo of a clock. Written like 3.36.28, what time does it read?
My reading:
7.46.06
